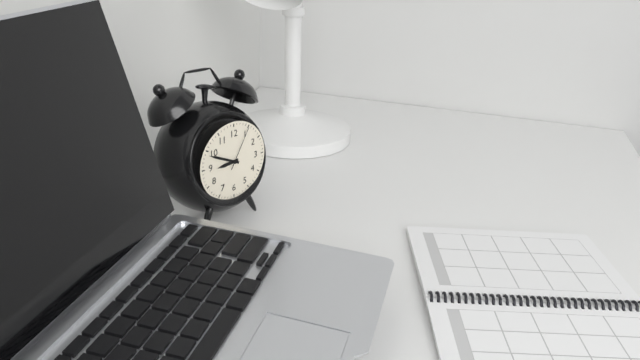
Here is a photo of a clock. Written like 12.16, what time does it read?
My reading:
8.49
